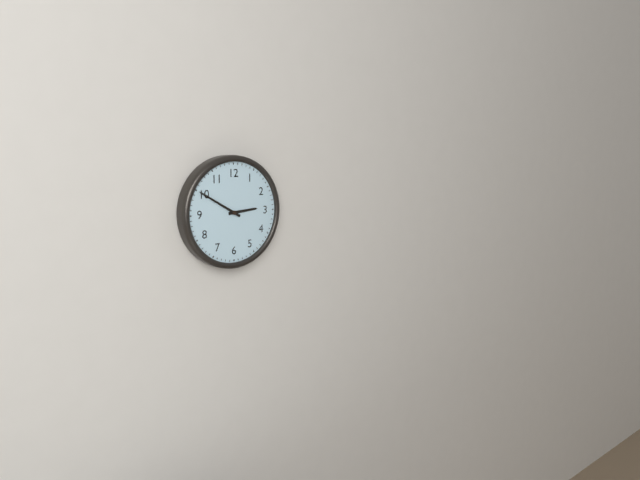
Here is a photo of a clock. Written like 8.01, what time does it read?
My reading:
2.50
